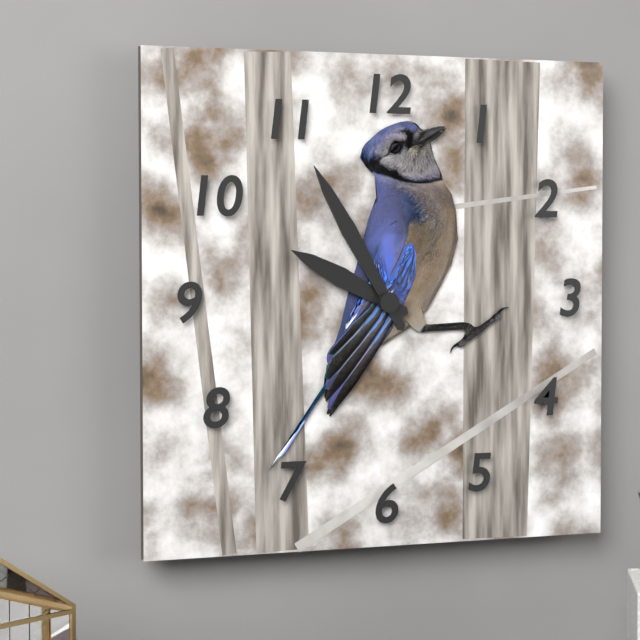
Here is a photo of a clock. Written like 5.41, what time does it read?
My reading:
9.55
